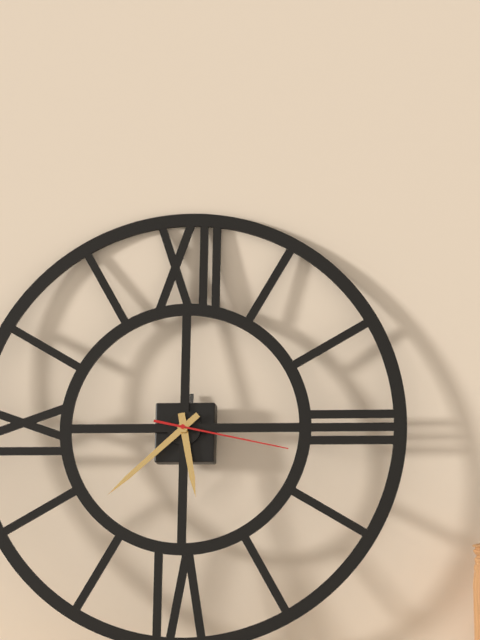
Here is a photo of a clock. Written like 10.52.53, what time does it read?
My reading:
5.38.17
